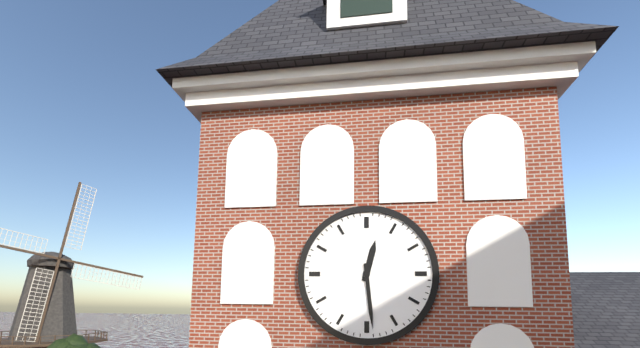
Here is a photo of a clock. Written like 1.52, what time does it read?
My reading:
12.29
